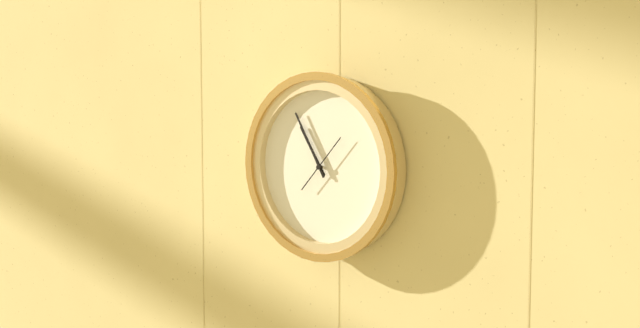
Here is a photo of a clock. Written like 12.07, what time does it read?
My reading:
10.55
